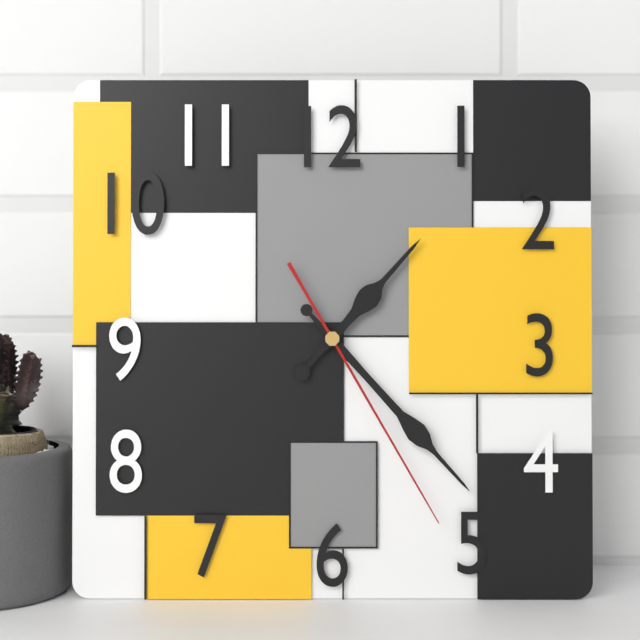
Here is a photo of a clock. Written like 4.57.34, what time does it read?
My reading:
1.23.25
